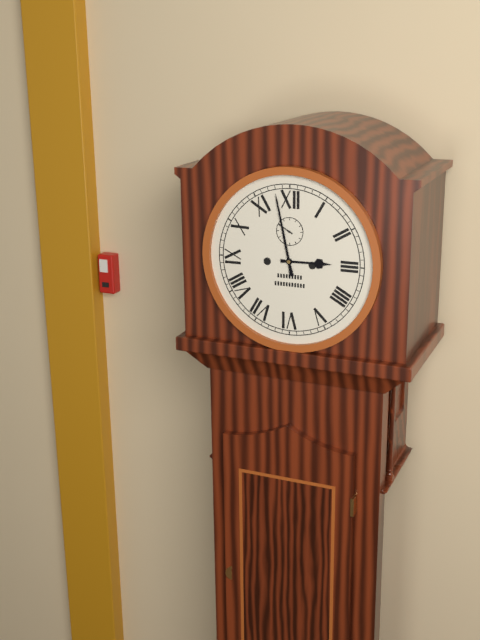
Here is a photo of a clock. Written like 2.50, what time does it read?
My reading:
2.58
